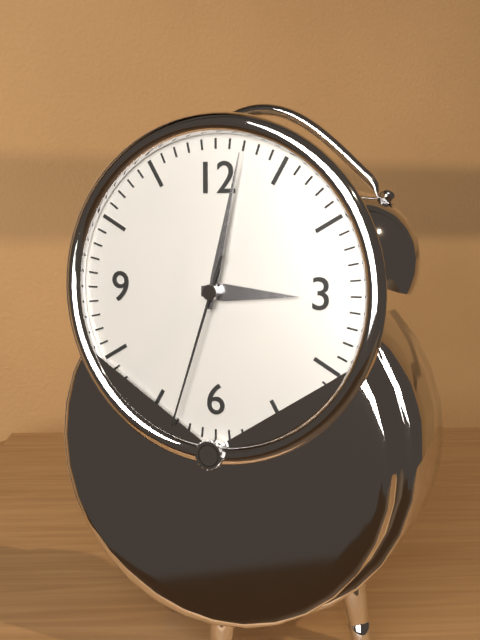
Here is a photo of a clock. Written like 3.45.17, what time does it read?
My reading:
3.02.33
